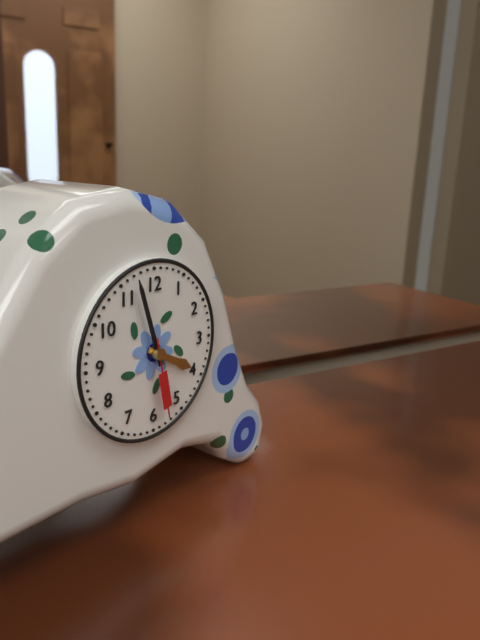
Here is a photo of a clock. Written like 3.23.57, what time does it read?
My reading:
3.57.28
